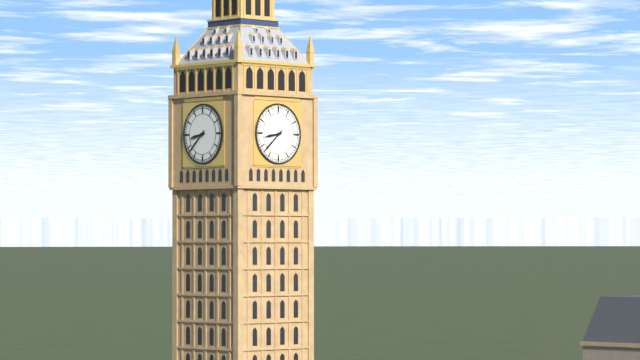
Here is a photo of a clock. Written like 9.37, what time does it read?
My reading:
8.38
